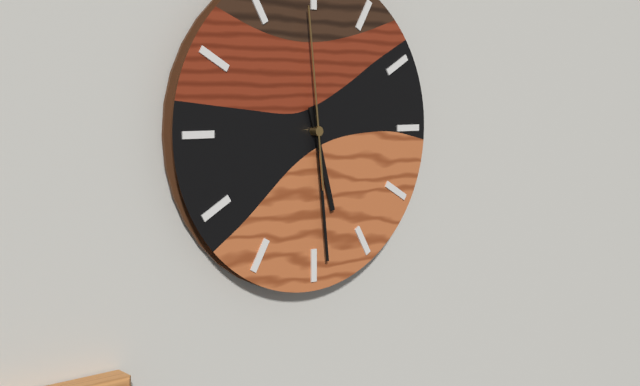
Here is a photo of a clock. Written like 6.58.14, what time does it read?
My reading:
5.29.59
